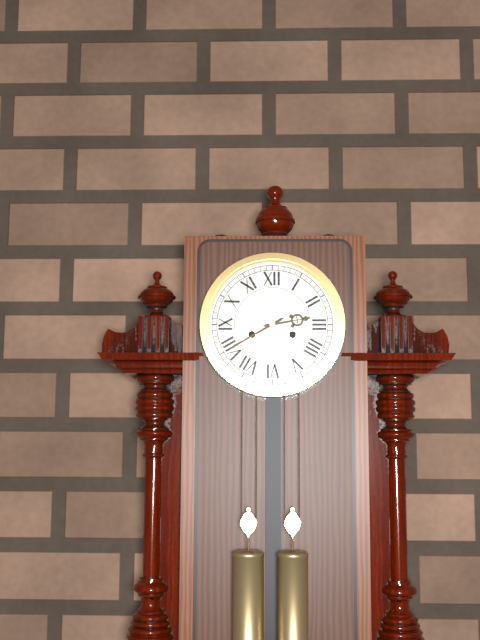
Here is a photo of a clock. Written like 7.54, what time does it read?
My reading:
2.40
